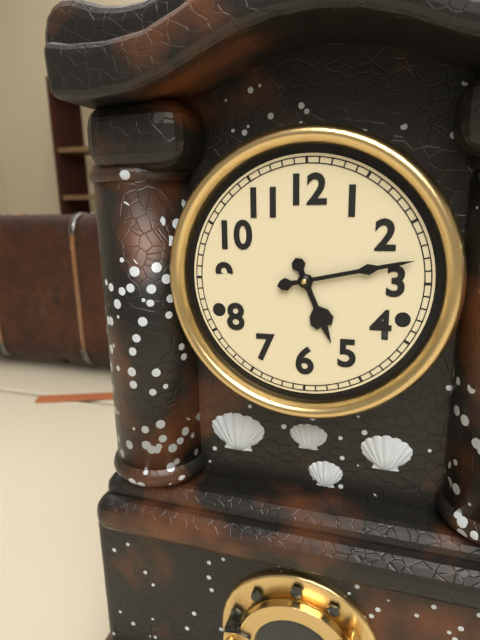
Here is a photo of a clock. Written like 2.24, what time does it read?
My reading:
5.13
